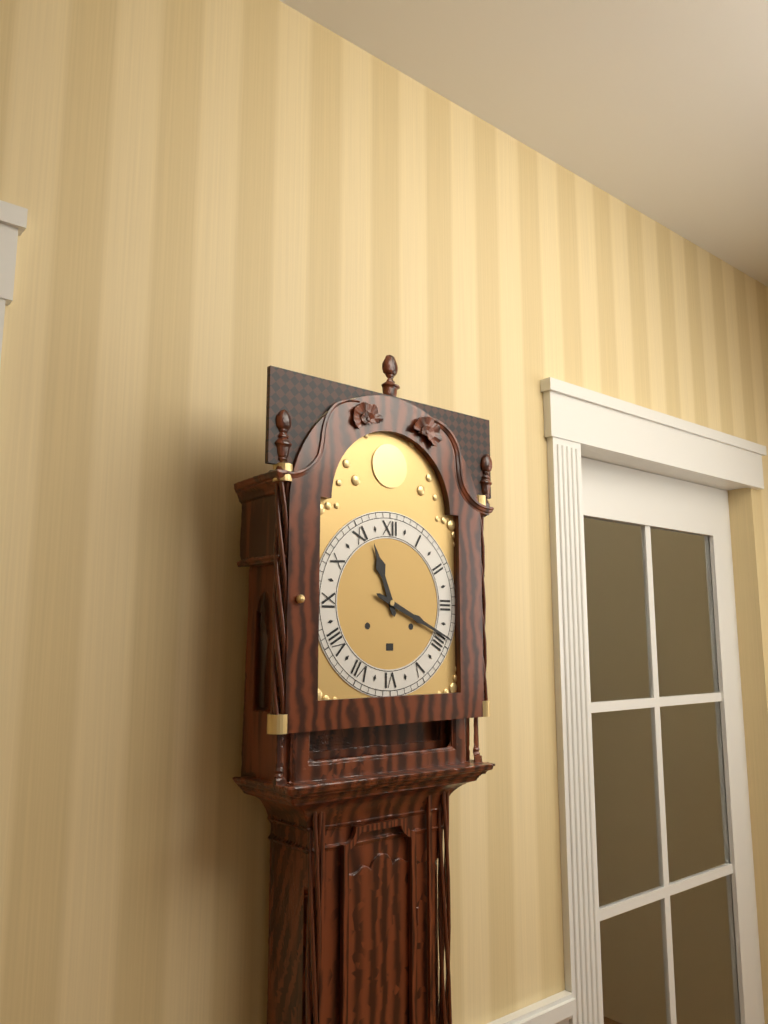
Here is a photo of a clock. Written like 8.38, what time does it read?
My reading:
11.19
